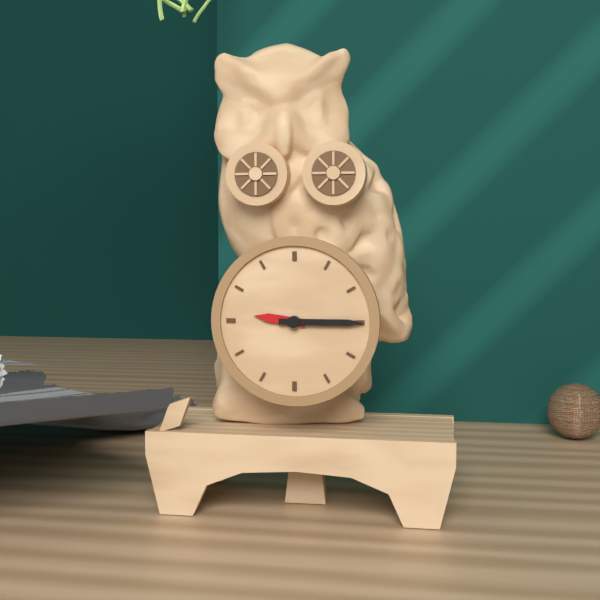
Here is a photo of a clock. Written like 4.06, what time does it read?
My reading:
9.15
